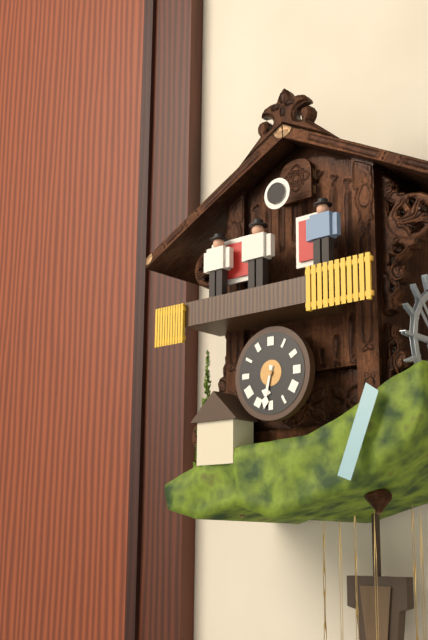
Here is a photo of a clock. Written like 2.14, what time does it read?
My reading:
6.32
